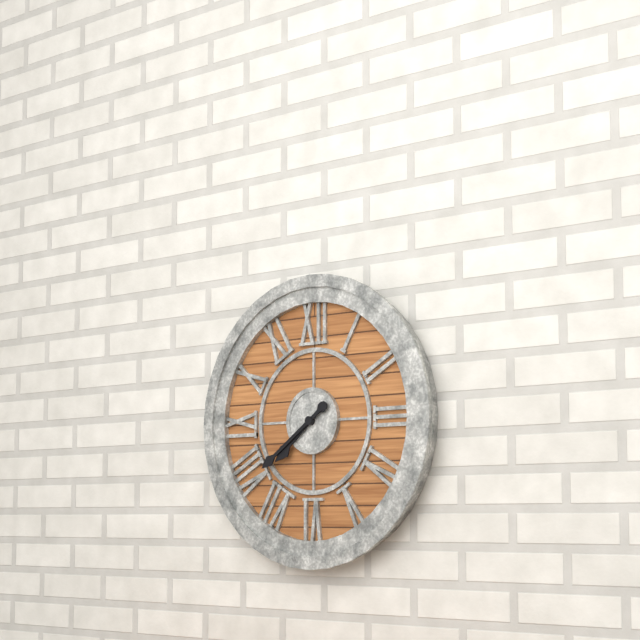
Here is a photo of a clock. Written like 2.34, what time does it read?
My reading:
7.39
